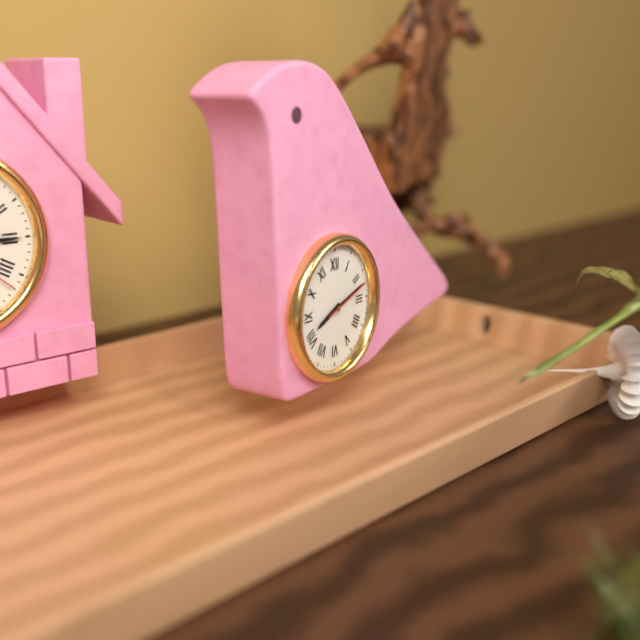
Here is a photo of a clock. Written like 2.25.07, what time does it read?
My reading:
8.12.12
